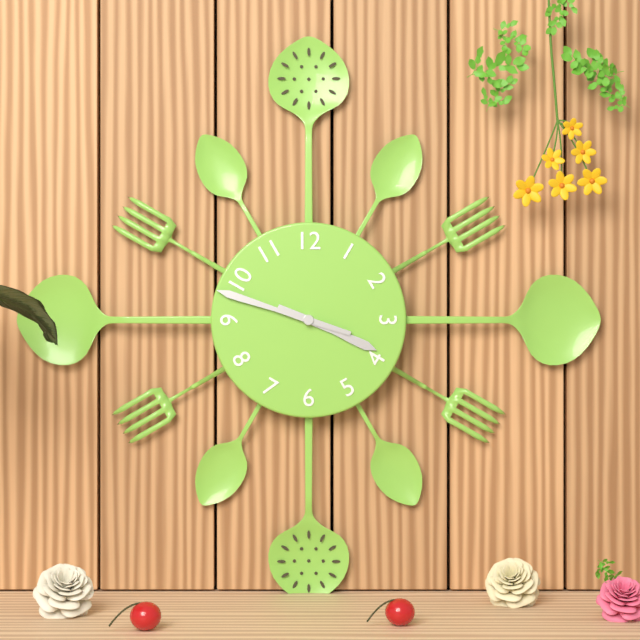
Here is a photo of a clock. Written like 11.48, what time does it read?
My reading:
3.48
